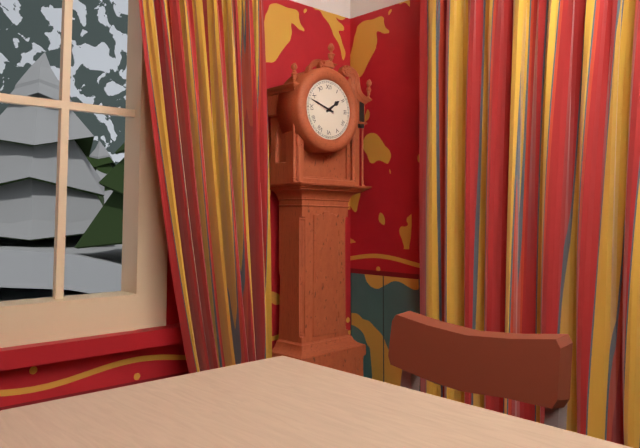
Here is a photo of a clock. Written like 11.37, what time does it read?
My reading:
1.48
